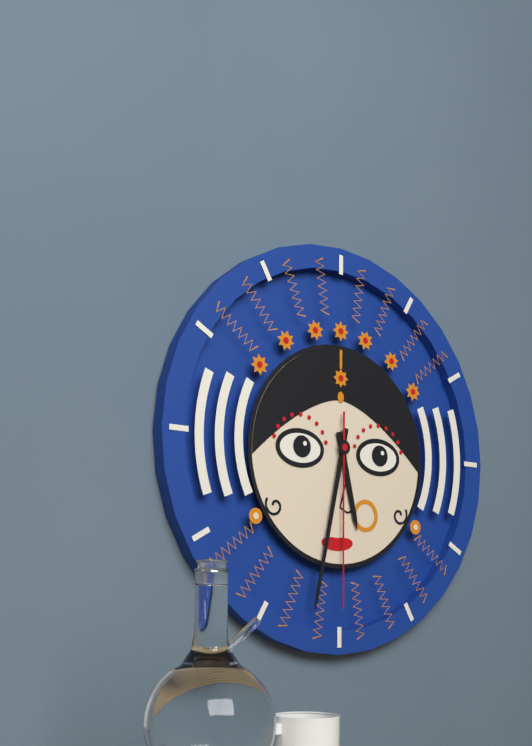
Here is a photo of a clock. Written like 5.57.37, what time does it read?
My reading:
5.32.30
